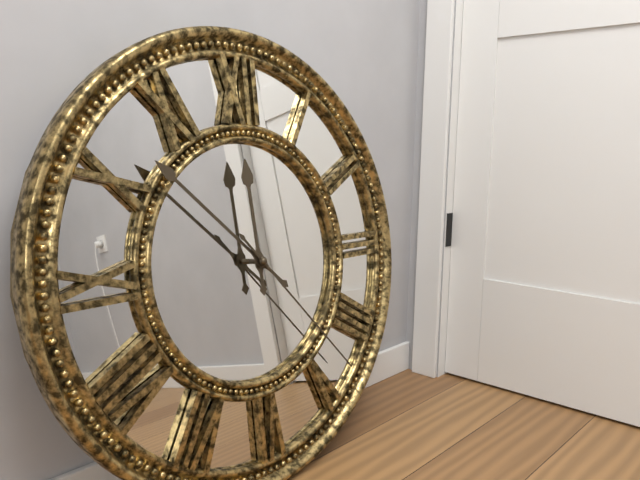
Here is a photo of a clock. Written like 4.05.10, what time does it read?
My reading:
11.52.23
